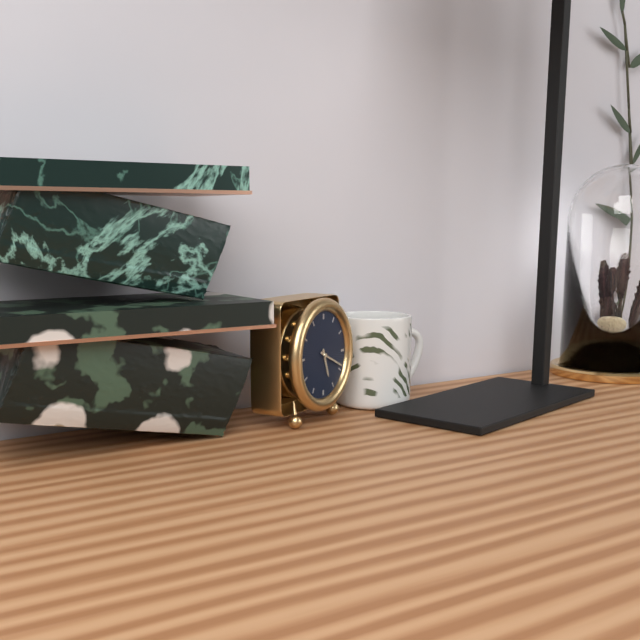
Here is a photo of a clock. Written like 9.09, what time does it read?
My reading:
5.19
